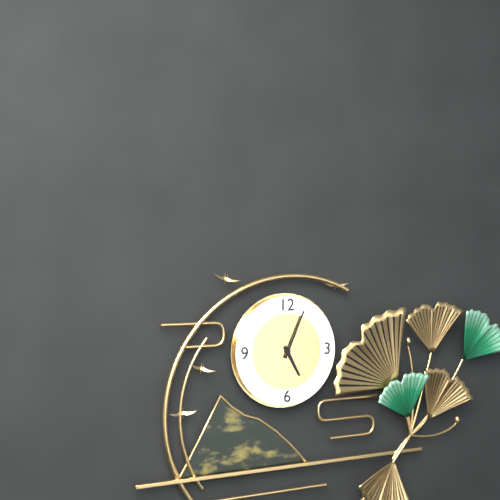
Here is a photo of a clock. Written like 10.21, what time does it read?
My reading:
5.04
